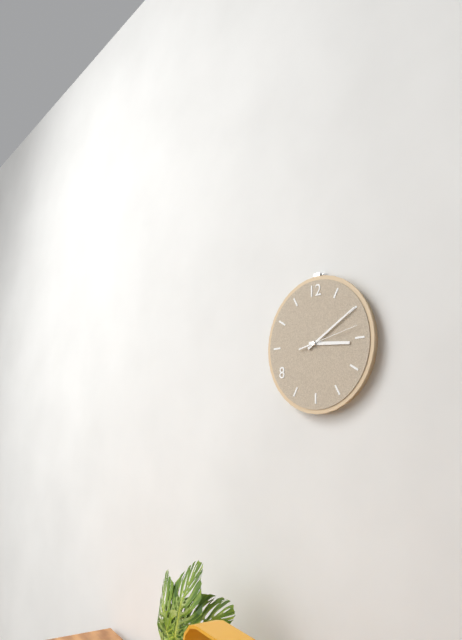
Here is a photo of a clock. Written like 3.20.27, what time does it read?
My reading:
3.10.13
